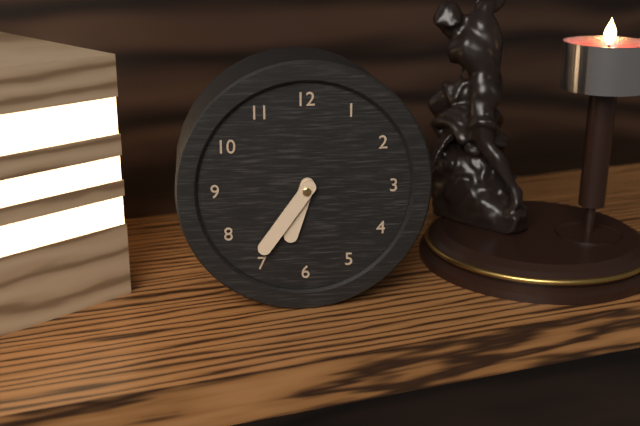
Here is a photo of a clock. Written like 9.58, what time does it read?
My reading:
6.36
